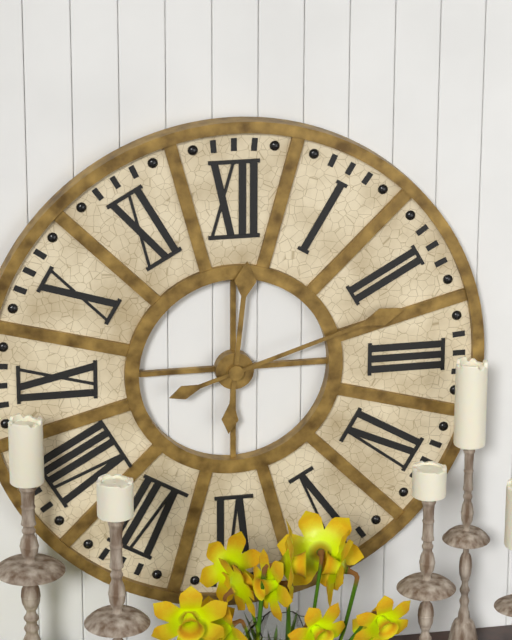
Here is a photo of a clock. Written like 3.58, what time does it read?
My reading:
12.12
